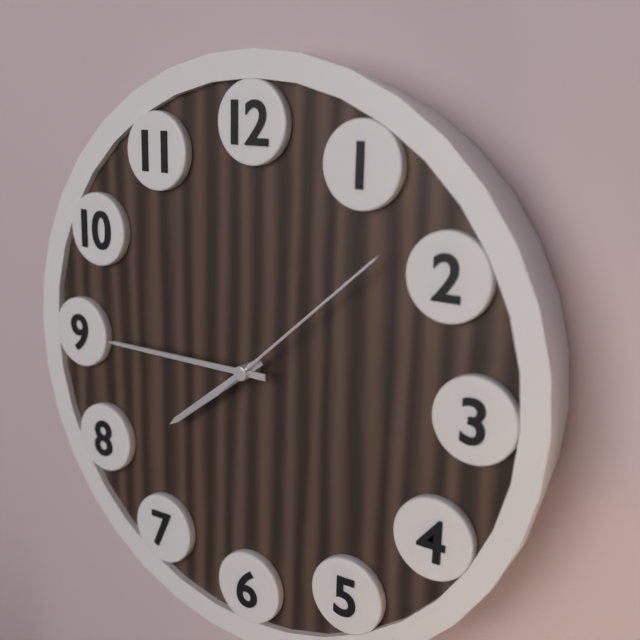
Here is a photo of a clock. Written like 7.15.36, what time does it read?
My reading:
7.45.08
